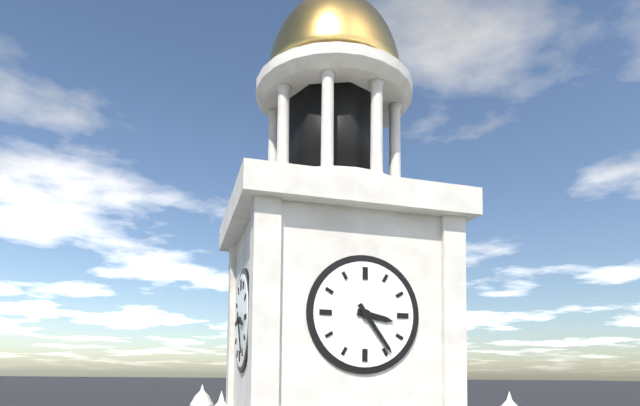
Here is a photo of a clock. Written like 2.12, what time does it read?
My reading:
3.24
